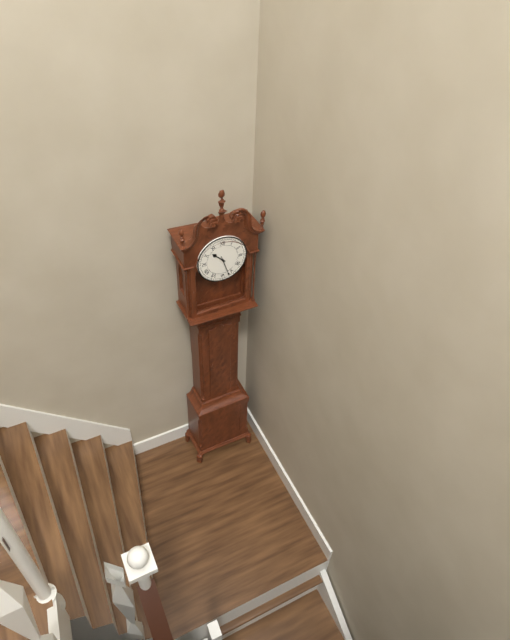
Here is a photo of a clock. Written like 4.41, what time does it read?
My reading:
10.27
